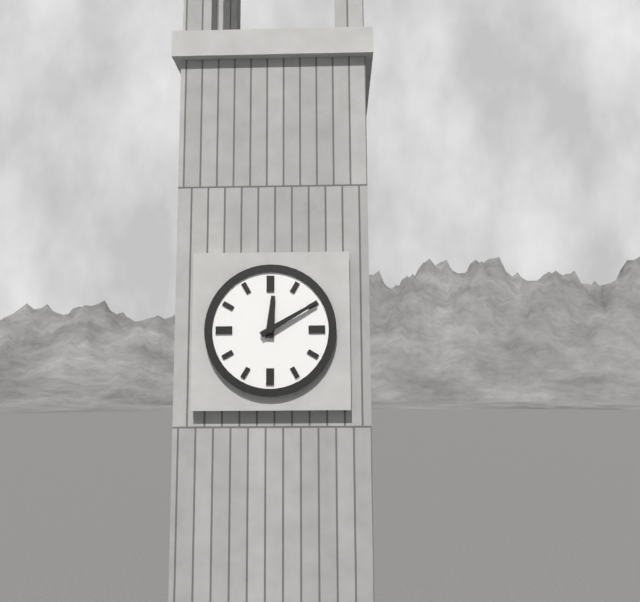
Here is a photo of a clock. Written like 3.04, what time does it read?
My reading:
12.10
